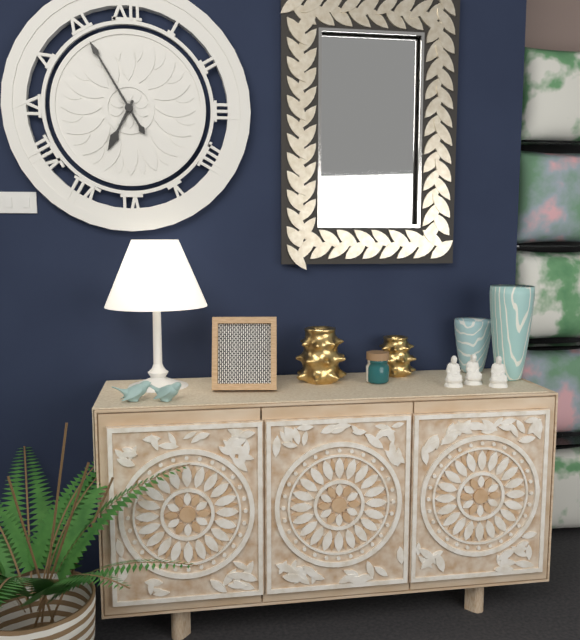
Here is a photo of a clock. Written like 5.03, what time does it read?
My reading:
6.55
